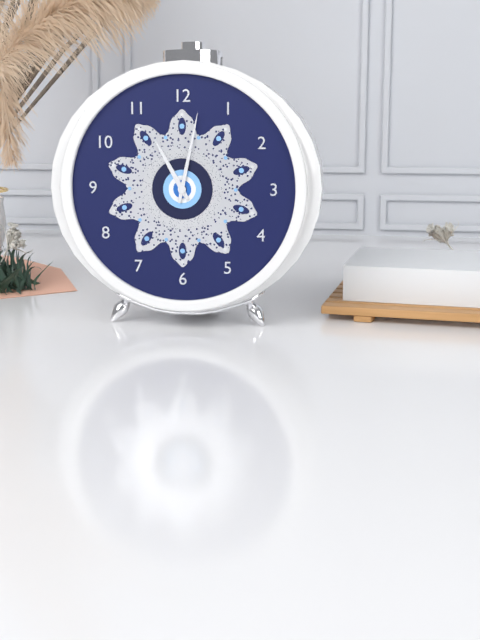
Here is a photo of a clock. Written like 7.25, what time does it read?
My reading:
11.02
